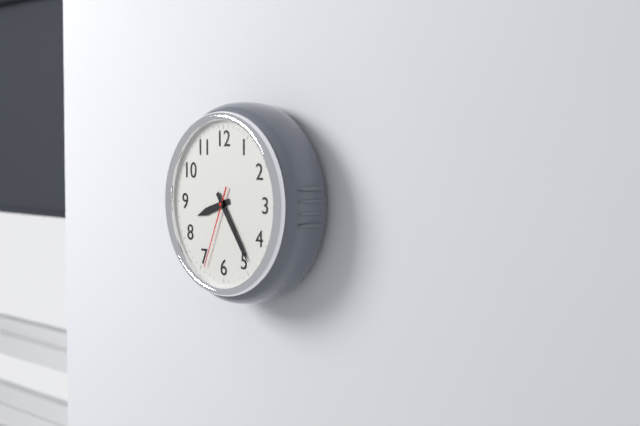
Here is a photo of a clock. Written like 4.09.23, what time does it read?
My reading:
8.24.34
